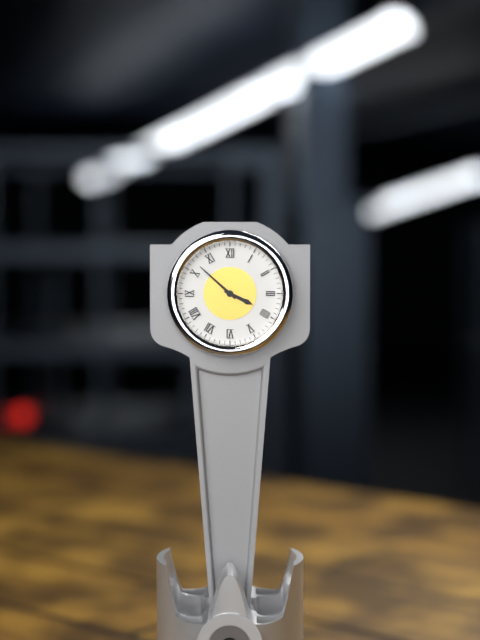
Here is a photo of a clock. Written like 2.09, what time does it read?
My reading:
3.52
